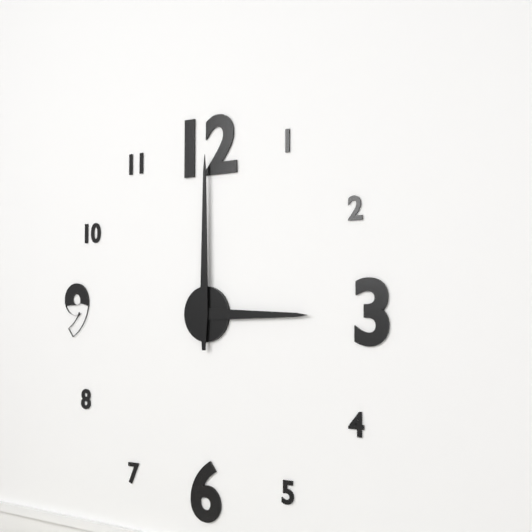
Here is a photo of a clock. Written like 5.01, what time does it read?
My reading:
3.00
